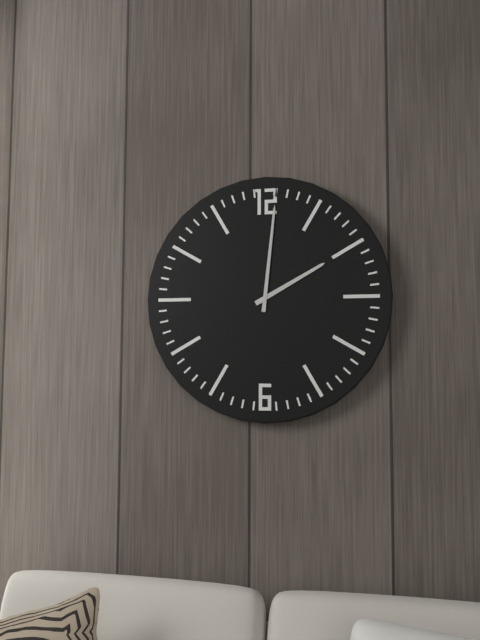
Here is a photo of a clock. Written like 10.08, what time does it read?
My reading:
2.01
